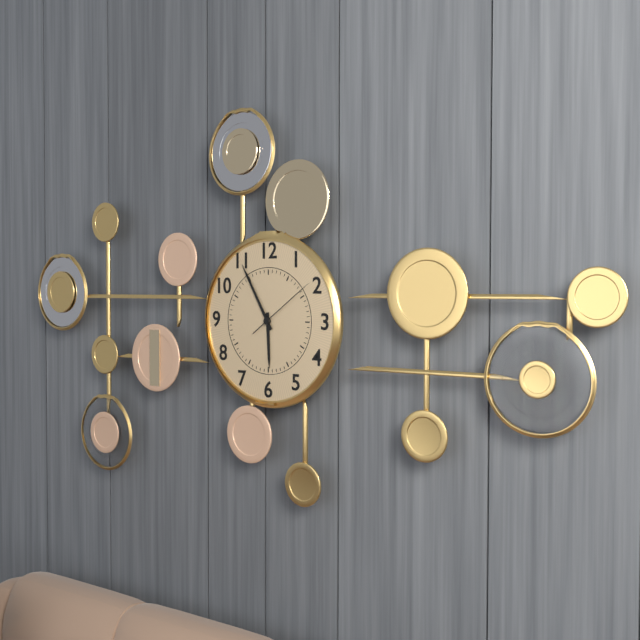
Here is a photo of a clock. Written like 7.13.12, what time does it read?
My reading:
5.55.09
